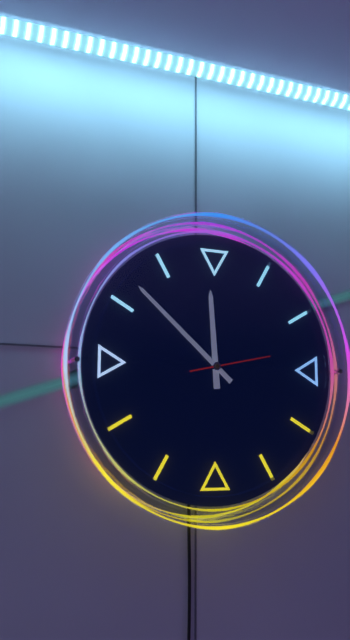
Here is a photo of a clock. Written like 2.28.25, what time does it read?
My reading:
11.52.13
